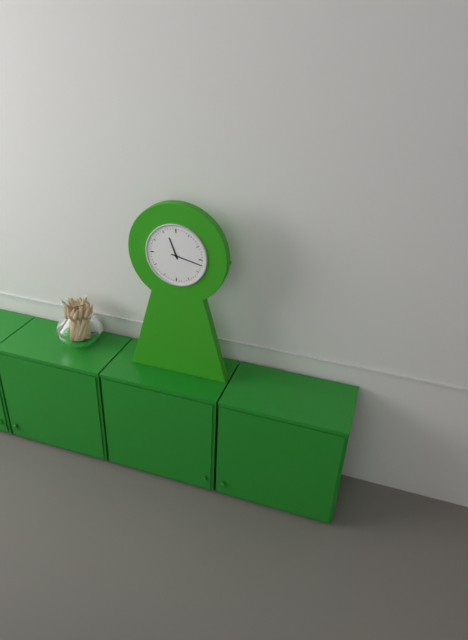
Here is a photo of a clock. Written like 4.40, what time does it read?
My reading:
11.17
